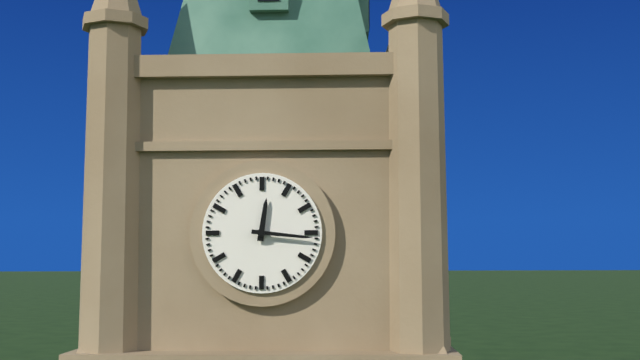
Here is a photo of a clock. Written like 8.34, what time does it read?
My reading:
12.16
